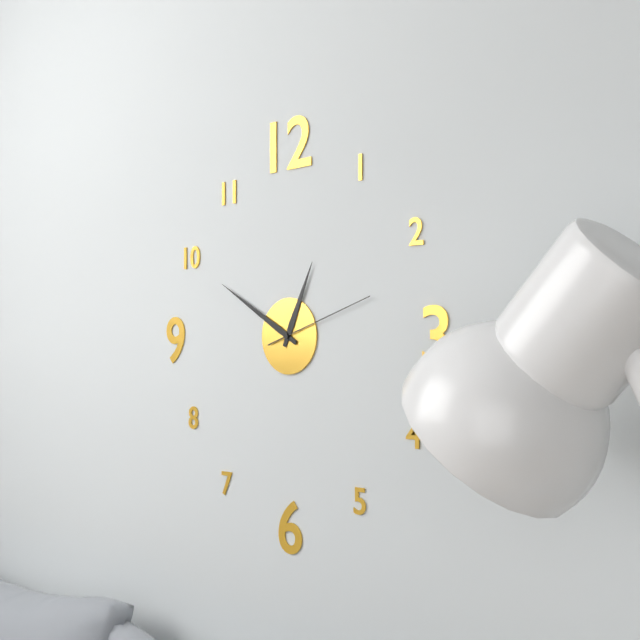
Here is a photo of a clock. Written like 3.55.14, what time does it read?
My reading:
12.50.12
